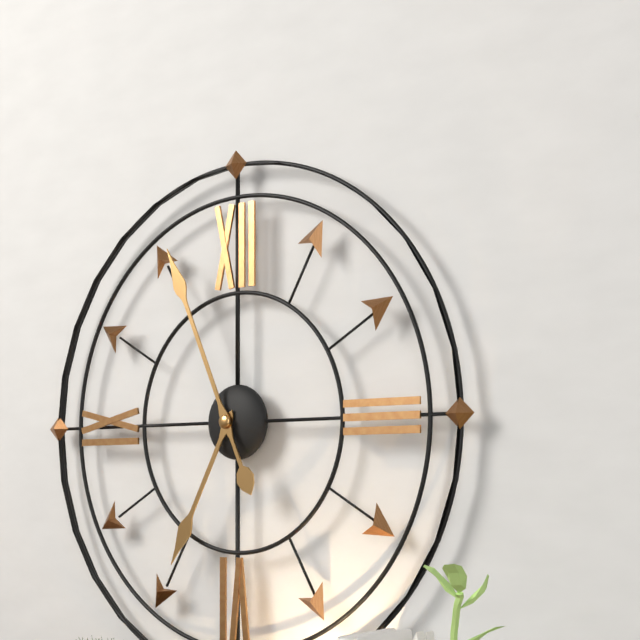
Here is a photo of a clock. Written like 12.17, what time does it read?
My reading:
6.56
